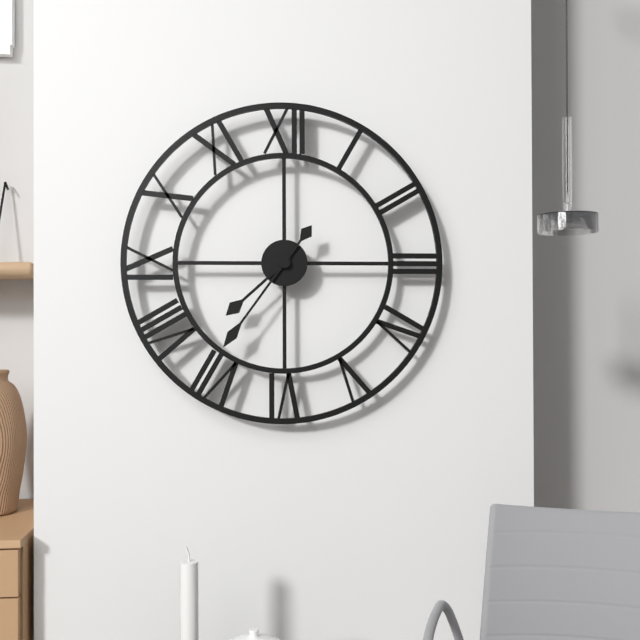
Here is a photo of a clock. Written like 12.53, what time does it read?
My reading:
7.36
